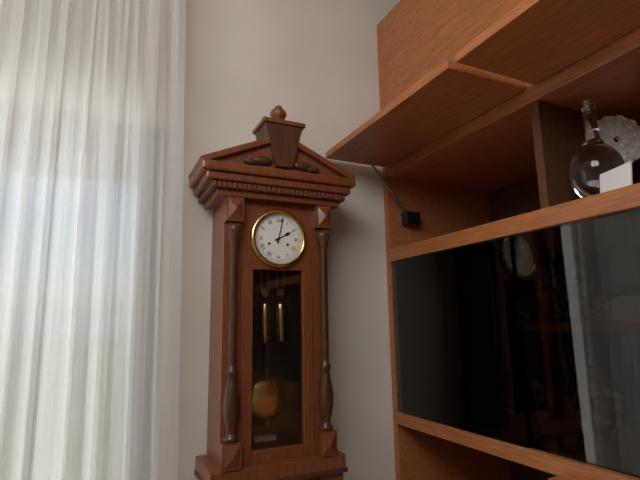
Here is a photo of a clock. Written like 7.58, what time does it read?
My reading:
2.02
